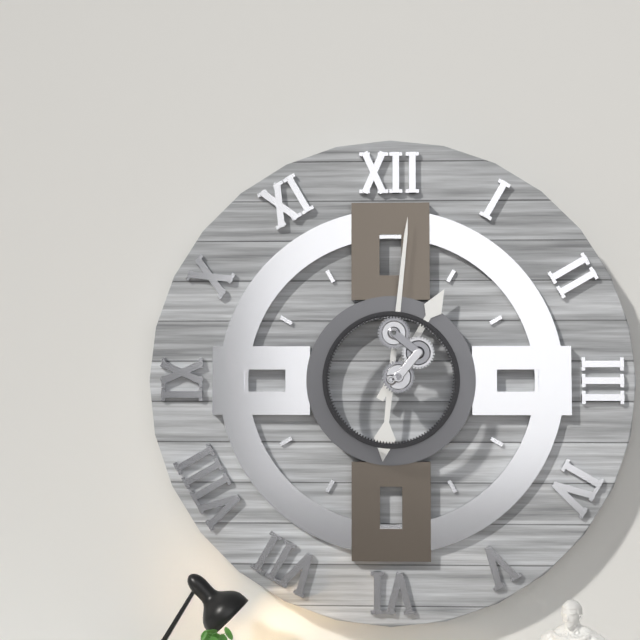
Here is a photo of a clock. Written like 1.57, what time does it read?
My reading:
1.01
